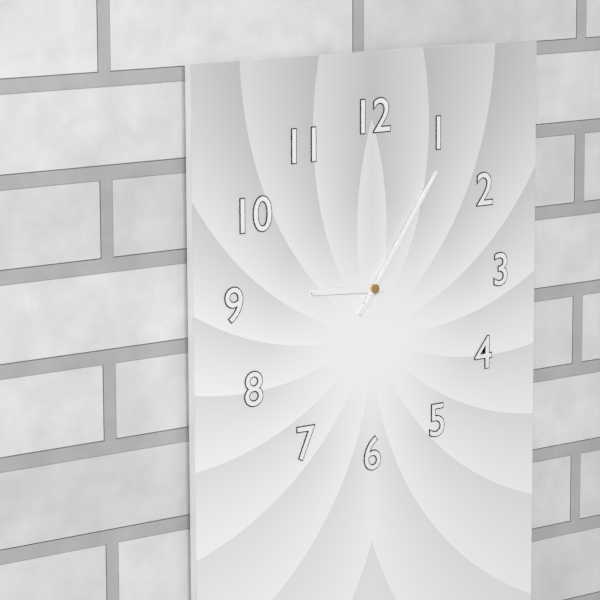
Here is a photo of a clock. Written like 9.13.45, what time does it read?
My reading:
9.06.06
